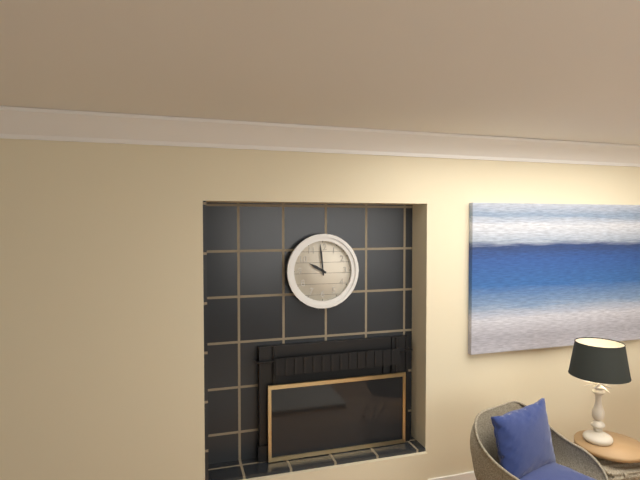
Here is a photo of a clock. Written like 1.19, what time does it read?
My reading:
9.59
